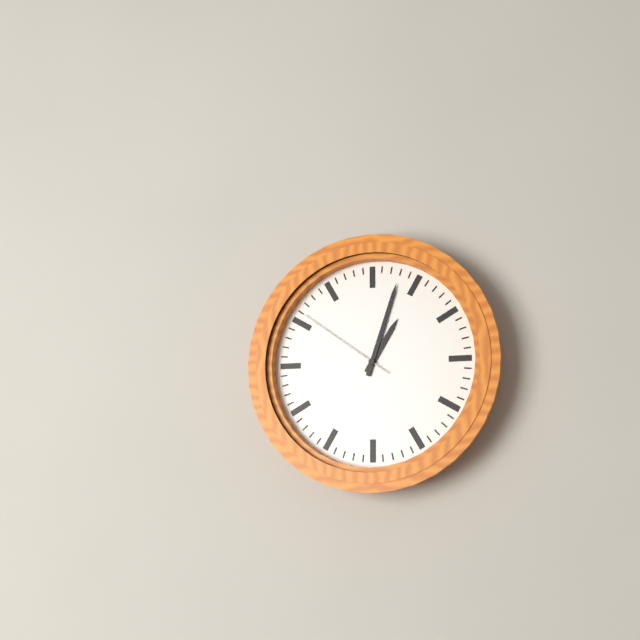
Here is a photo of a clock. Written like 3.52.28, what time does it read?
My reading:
1.03.51
